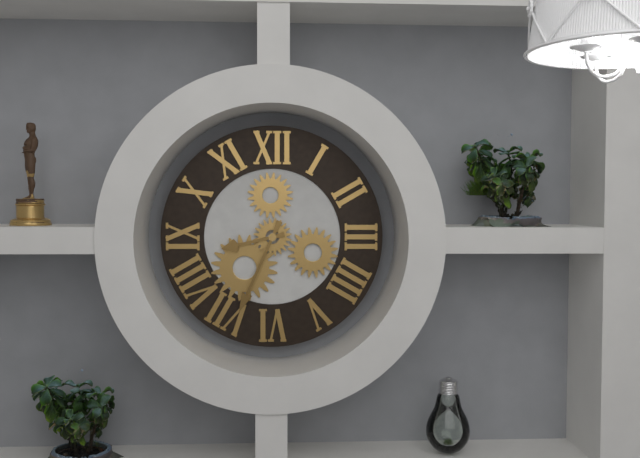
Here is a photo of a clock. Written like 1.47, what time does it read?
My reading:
8.34
